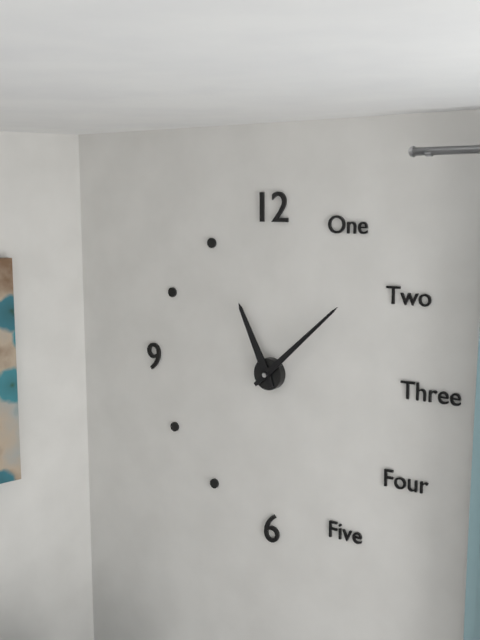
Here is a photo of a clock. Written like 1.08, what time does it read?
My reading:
11.08
